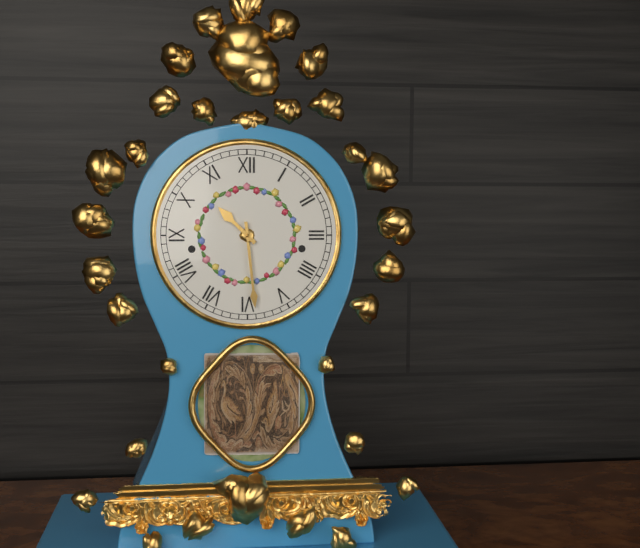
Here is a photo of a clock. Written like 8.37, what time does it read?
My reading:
10.29
